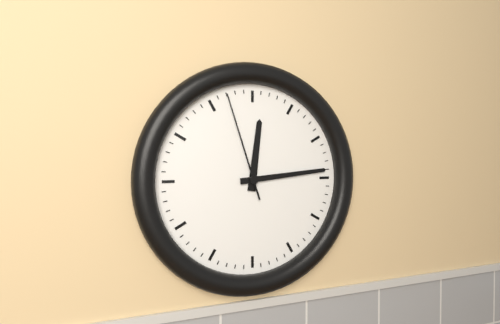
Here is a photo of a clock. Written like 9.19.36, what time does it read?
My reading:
12.14.57
